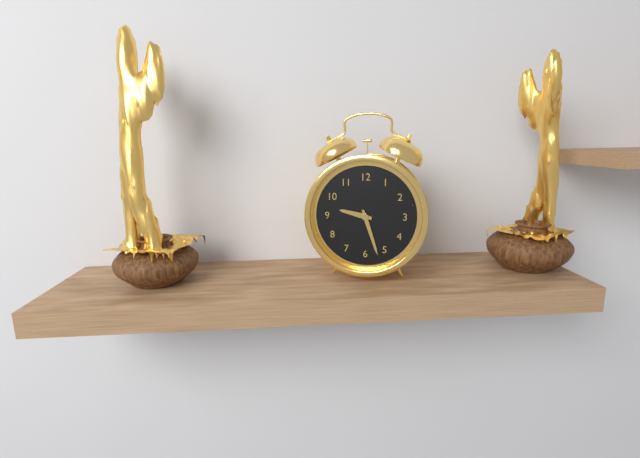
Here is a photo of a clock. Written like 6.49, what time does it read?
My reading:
9.27
